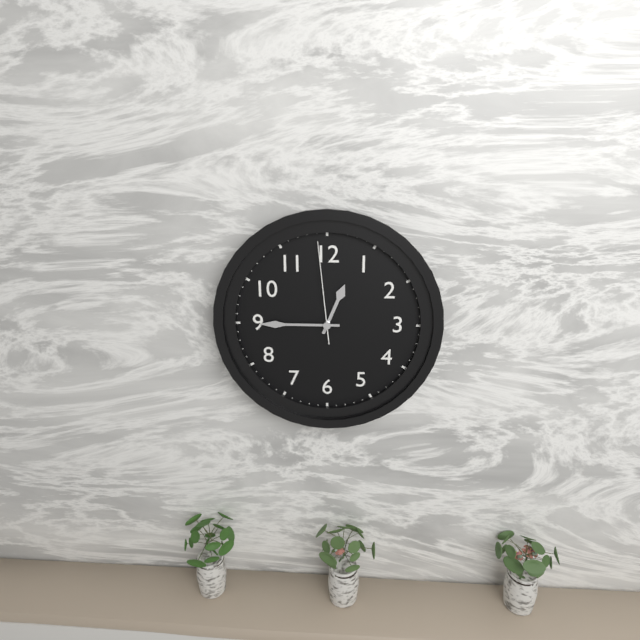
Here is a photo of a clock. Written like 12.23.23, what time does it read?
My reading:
12.45.59
